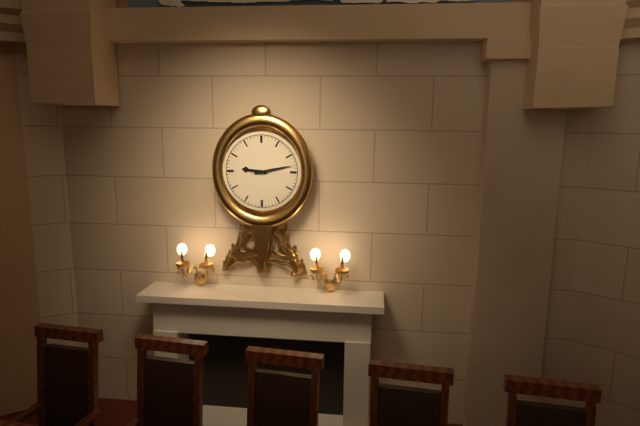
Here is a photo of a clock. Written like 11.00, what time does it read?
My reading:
9.13
